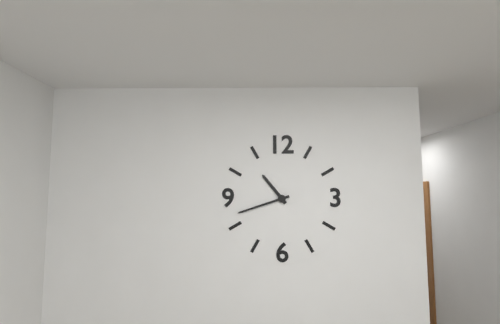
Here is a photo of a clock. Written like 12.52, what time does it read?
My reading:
10.42
